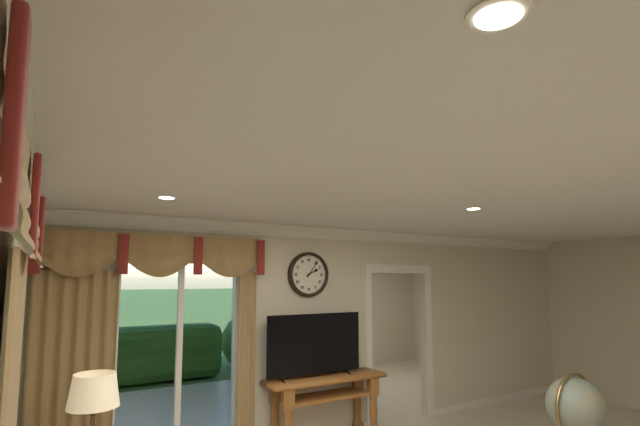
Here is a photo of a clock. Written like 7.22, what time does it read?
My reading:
2.06
